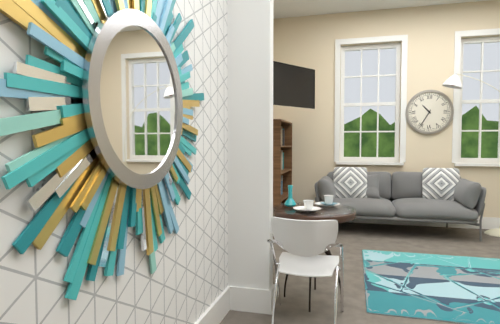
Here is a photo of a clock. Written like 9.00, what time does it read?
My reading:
10.35
